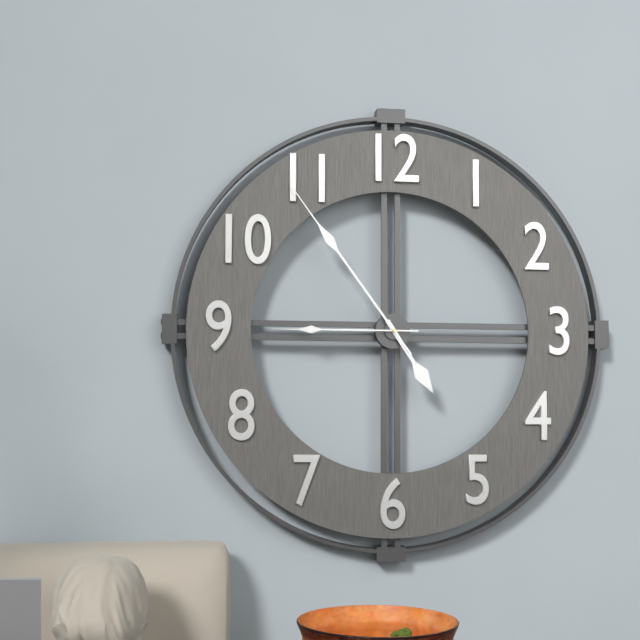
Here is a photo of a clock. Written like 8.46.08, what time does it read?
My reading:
4.54.45
